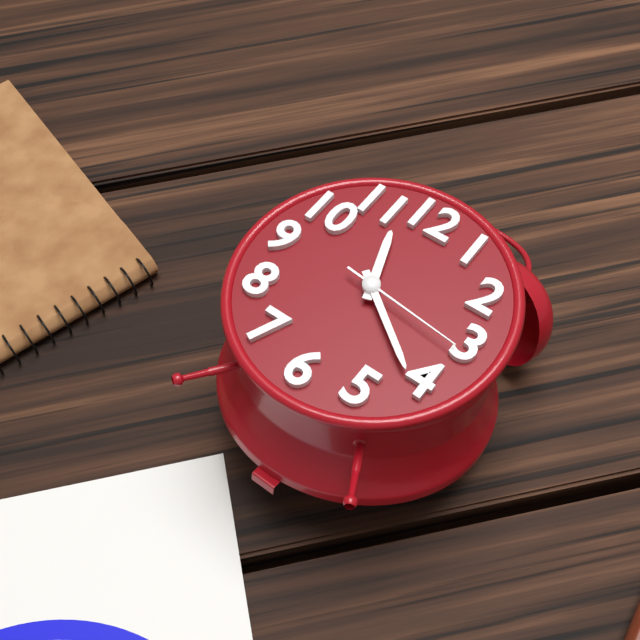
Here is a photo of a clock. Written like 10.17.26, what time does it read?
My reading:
11.21.16
